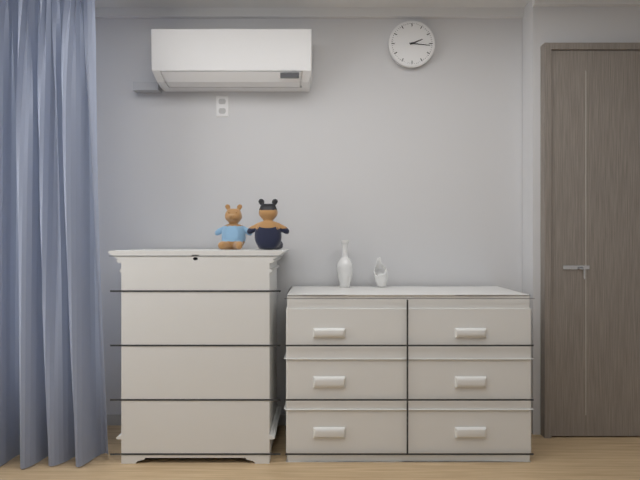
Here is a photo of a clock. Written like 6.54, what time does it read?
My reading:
2.16
